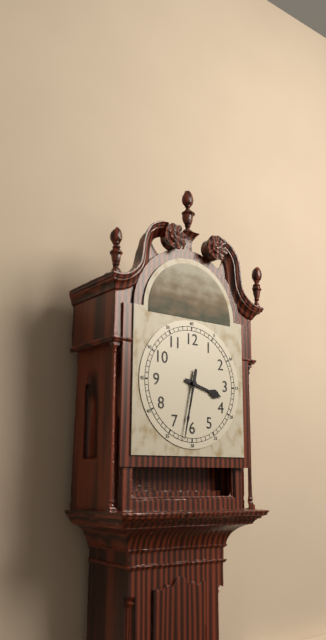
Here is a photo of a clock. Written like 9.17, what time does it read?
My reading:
3.32
